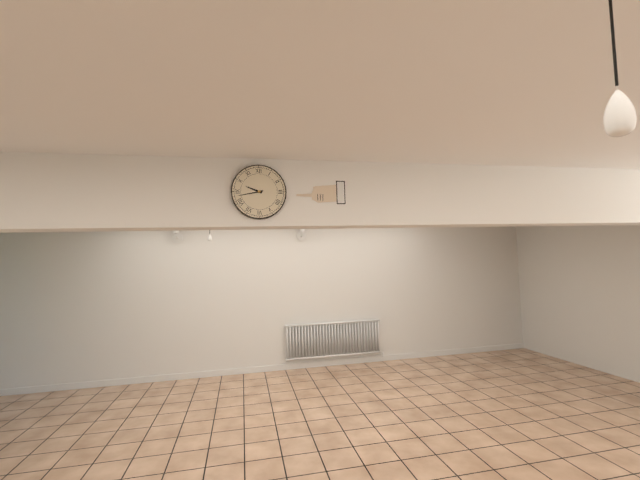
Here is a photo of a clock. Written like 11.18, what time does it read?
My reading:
9.43
